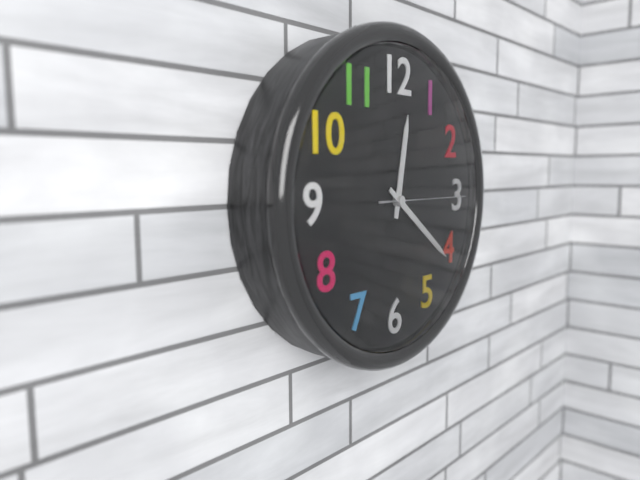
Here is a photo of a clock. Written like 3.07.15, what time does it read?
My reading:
12.21.15
